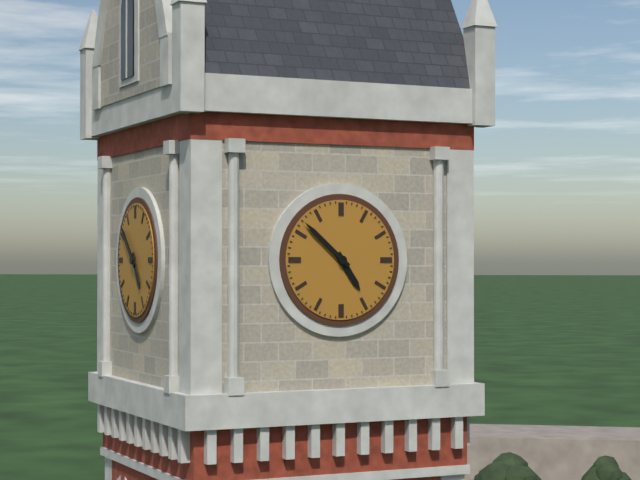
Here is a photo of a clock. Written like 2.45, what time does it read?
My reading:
4.52
